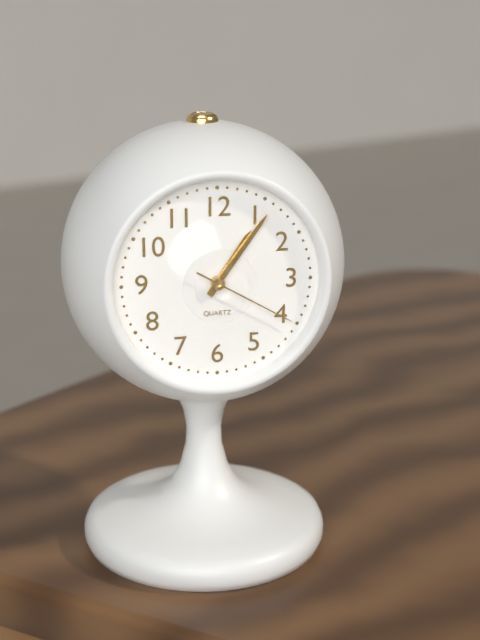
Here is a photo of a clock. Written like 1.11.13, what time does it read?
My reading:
1.06.20
